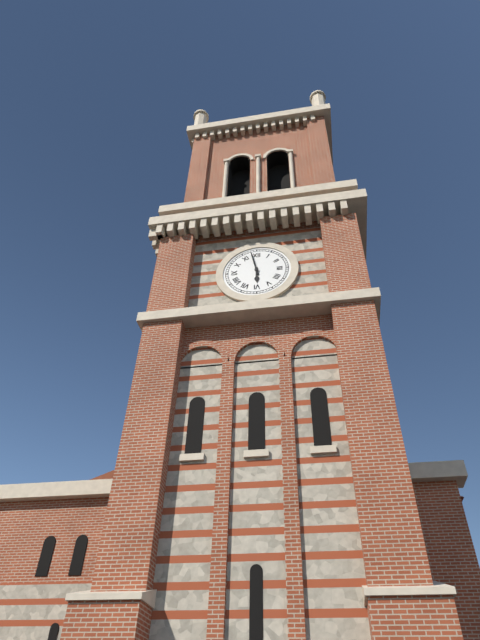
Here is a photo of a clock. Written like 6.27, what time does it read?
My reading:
5.58
